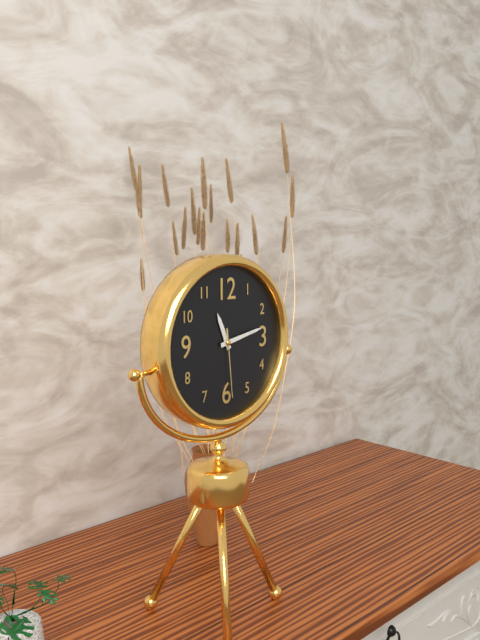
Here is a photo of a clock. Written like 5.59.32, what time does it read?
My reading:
11.13.29
